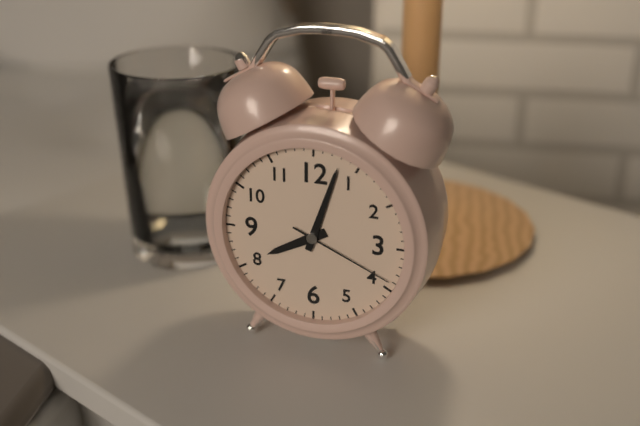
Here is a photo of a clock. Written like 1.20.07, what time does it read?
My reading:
8.03.19
